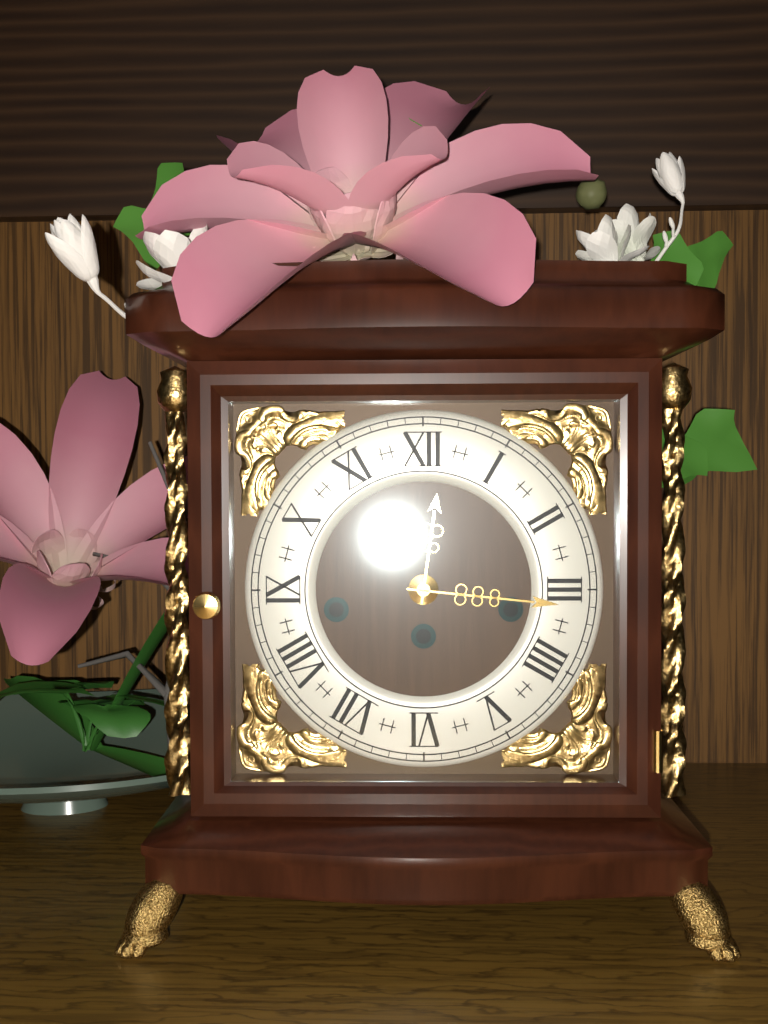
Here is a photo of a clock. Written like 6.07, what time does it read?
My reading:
12.16
